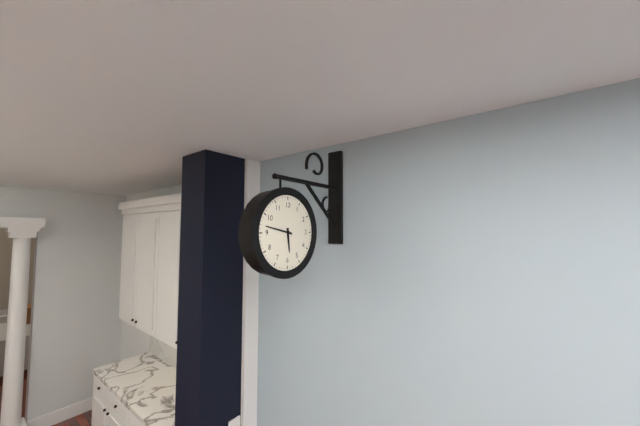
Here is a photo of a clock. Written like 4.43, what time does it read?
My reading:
5.47
